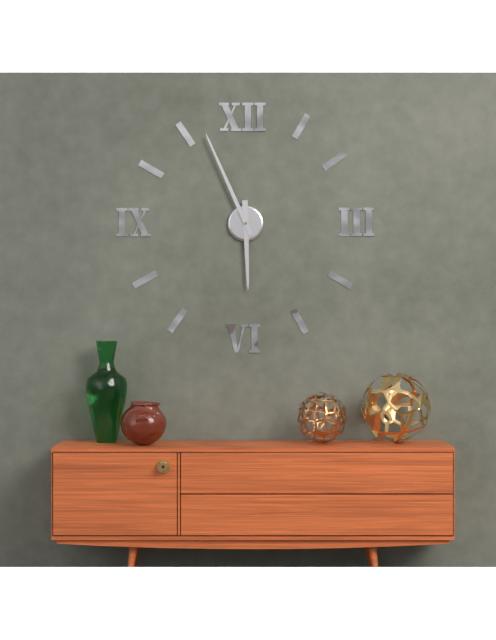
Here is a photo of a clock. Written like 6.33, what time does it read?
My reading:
5.56
